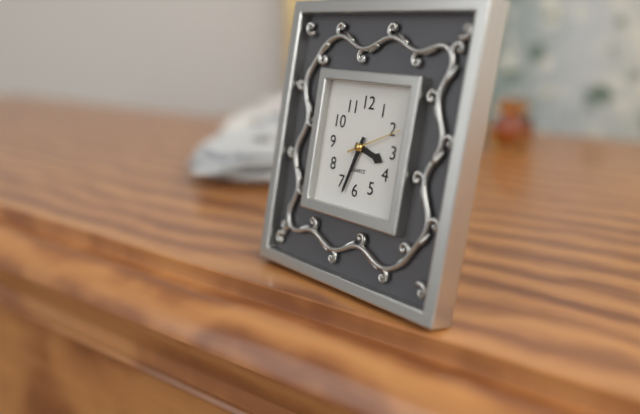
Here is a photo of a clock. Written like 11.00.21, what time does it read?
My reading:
3.33.11
